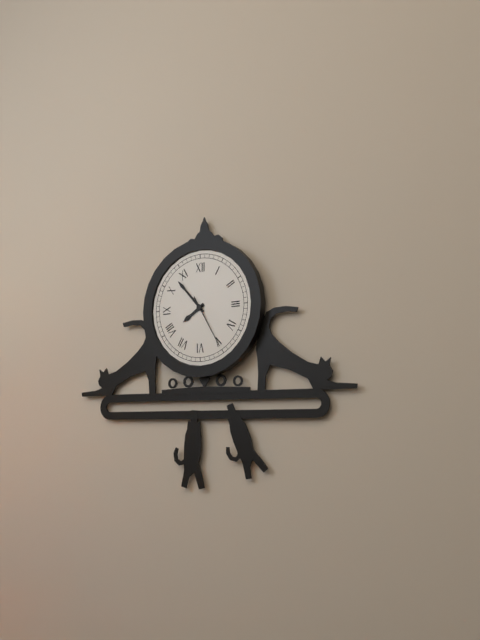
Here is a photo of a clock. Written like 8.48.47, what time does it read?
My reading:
7.53.25
